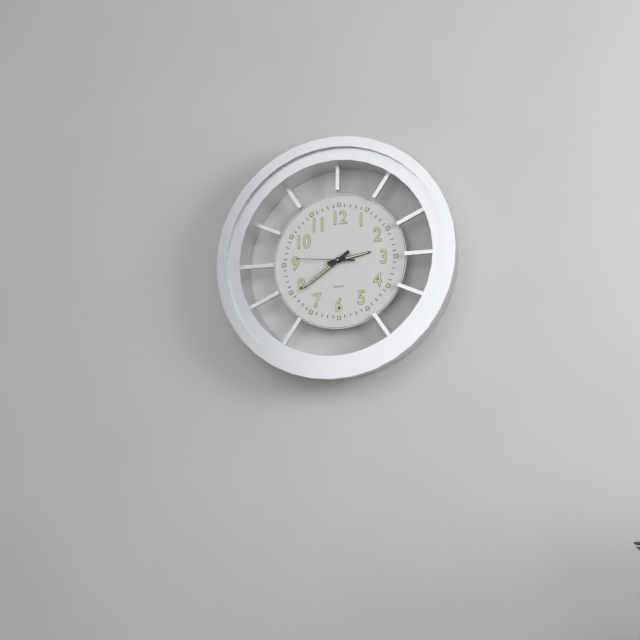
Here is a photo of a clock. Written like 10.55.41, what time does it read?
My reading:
2.39.46
